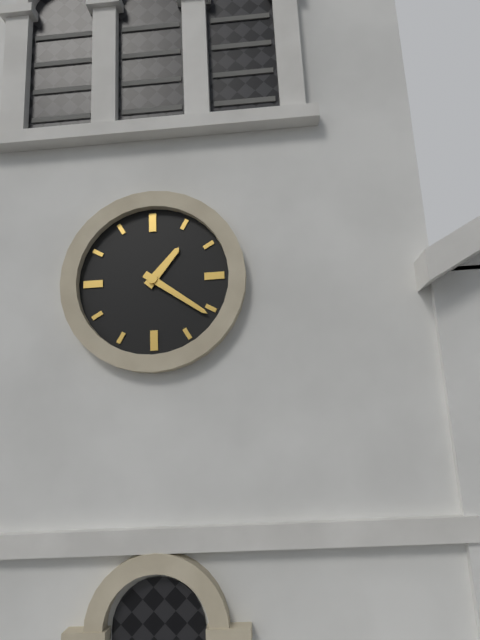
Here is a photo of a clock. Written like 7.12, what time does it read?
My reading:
1.21
